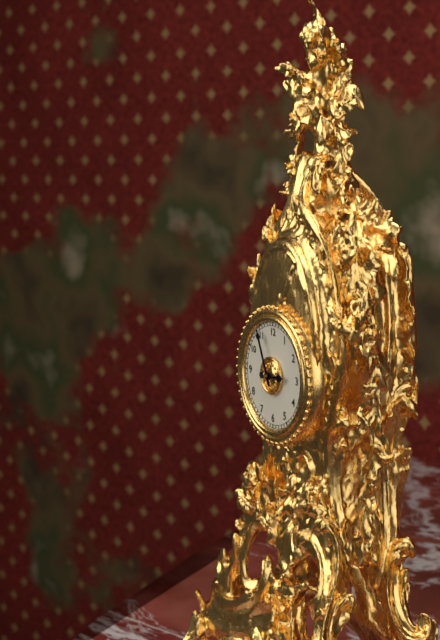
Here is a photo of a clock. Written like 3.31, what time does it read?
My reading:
2.56
